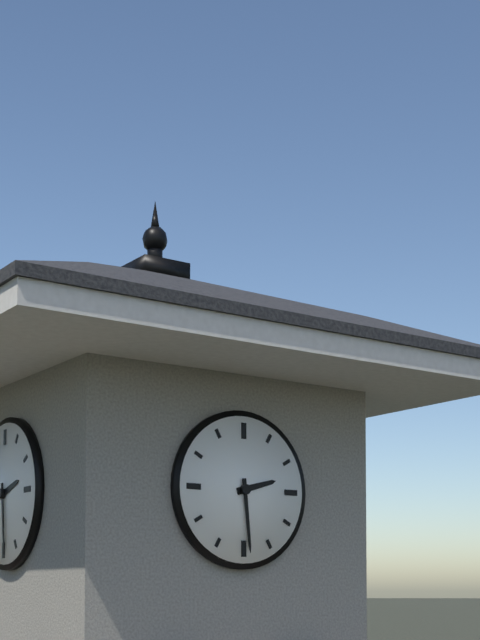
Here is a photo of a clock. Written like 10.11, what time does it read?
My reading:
2.29
